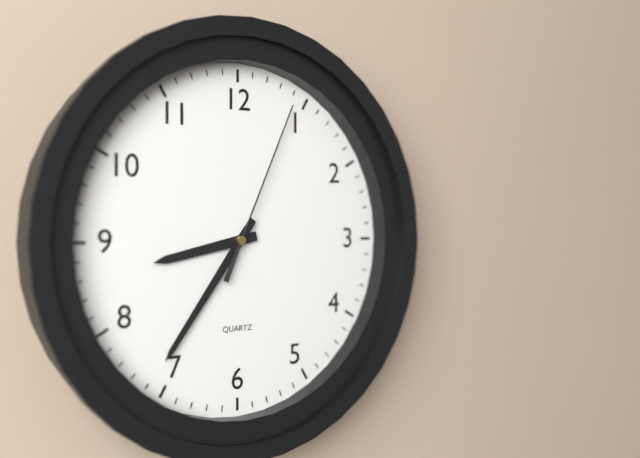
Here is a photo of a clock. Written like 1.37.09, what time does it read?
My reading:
8.36.04
